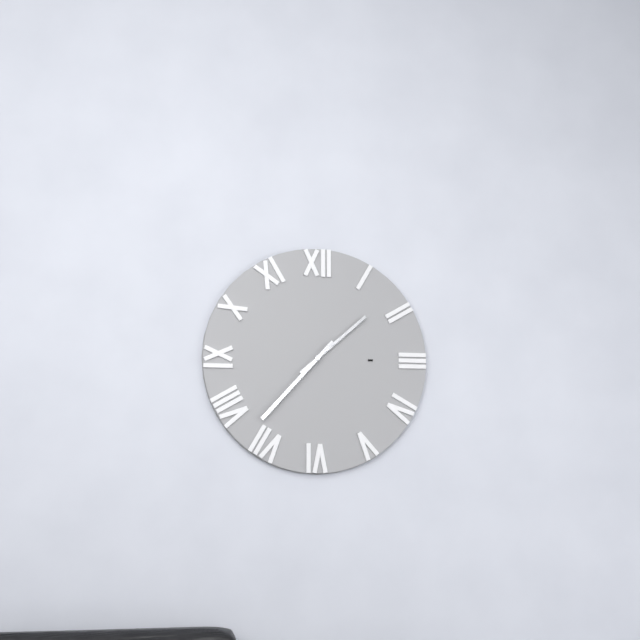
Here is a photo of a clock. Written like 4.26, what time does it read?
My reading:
1.37
